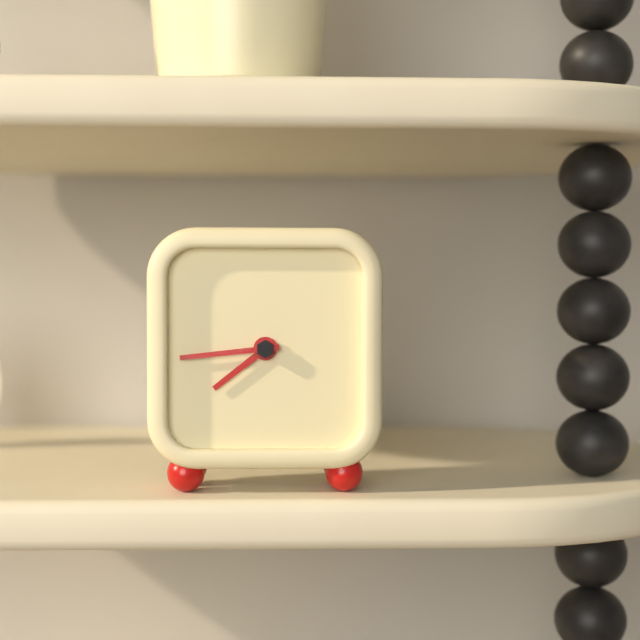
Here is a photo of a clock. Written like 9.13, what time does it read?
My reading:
7.44
